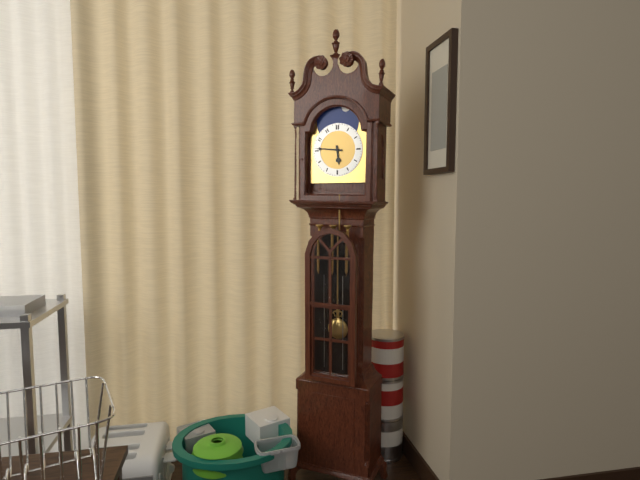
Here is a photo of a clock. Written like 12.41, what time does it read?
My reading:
5.46
